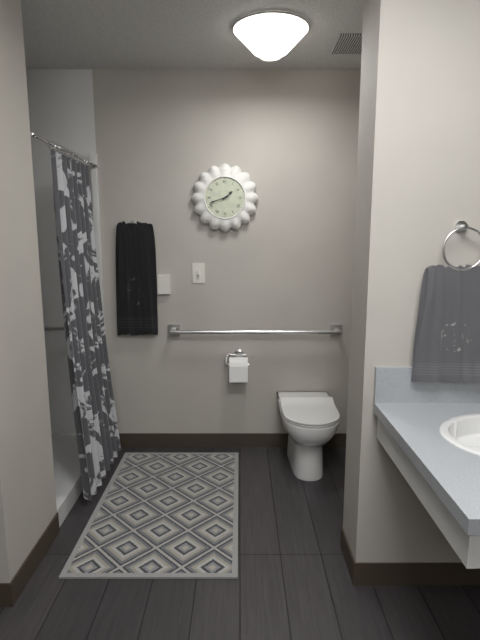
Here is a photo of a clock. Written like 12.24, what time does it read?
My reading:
1.42
